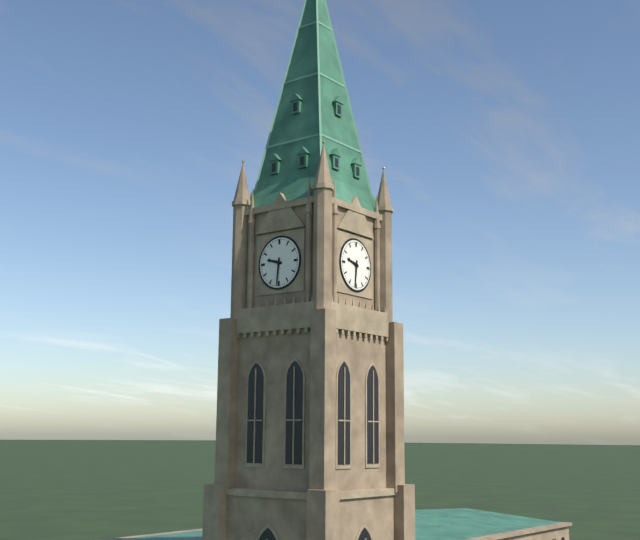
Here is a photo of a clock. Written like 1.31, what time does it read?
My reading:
9.31
